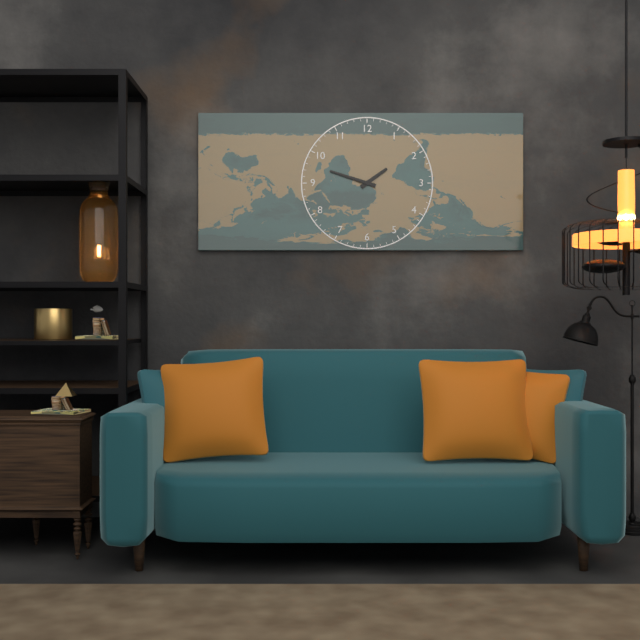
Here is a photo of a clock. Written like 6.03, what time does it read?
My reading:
1.48
